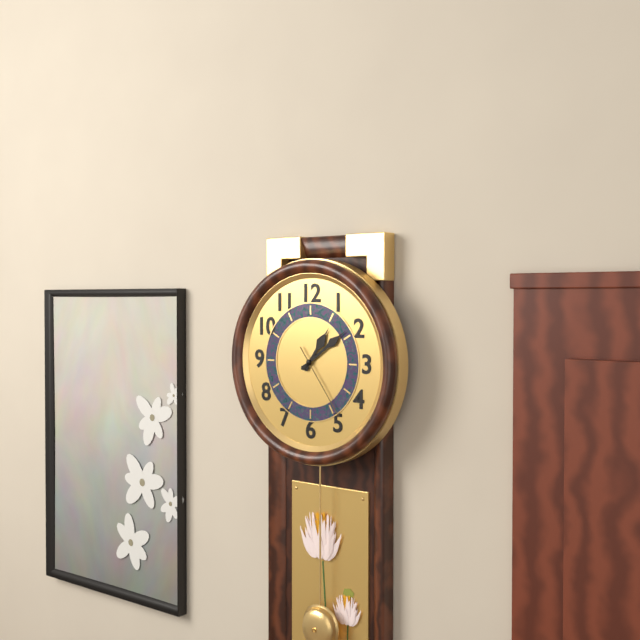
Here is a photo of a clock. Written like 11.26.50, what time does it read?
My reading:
1.09.24
